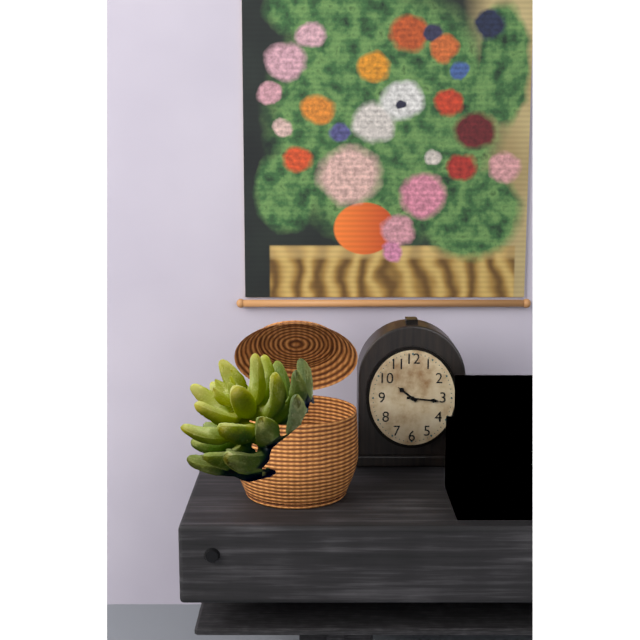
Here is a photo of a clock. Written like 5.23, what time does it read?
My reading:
10.16
